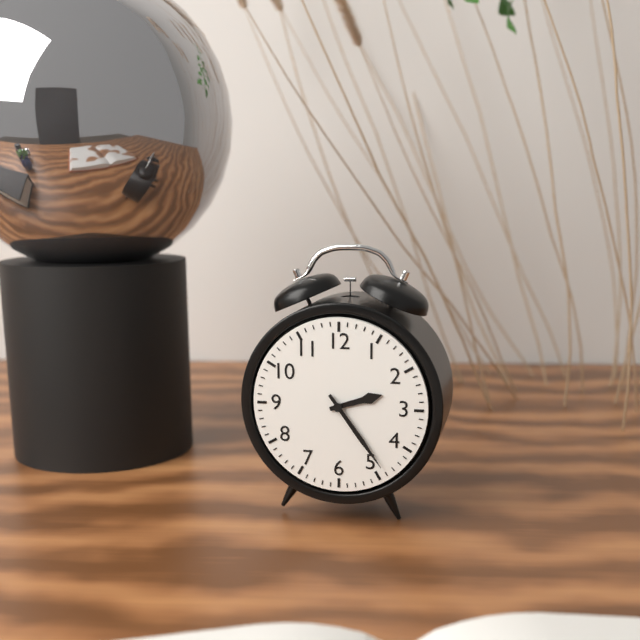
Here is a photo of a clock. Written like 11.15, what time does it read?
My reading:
2.24
